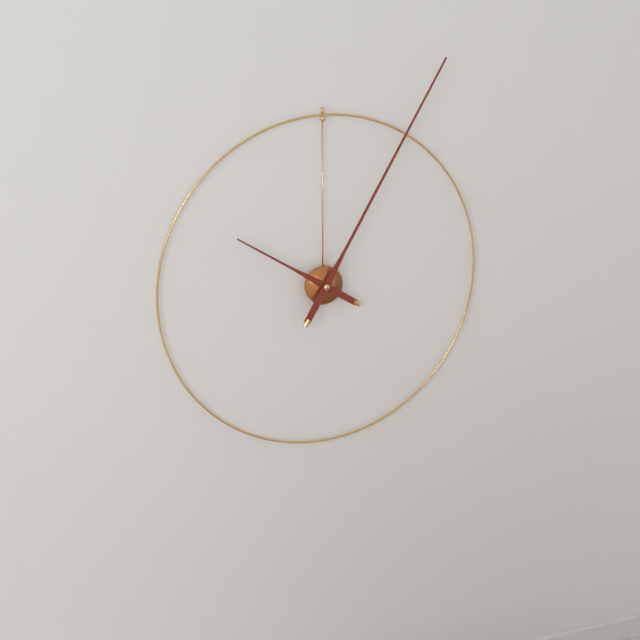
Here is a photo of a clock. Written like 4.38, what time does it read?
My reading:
10.05
